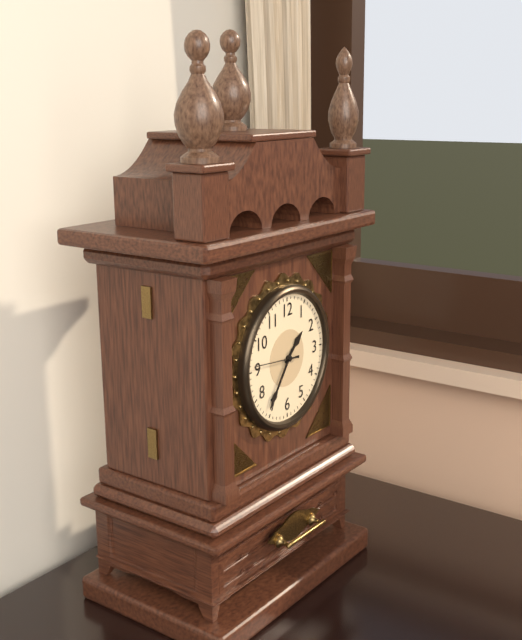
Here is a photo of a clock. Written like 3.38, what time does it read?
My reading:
1.36
